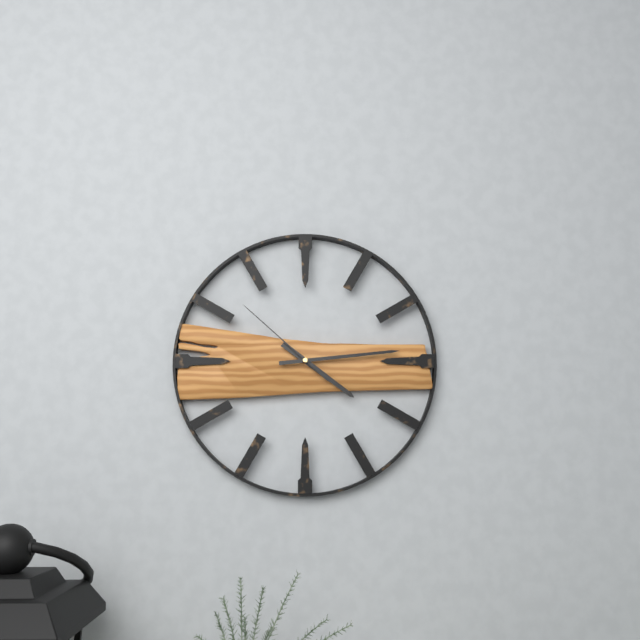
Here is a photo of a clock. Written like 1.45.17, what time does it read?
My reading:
4.14.52
